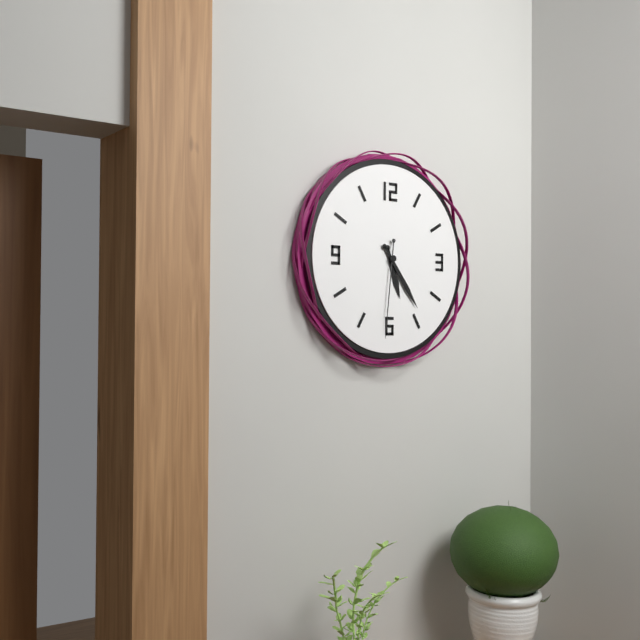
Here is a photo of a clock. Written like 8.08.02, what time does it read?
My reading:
5.24.31
